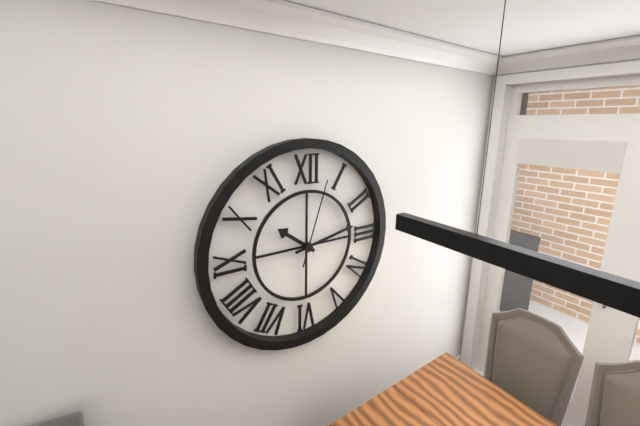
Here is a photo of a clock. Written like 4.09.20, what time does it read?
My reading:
10.13.03
